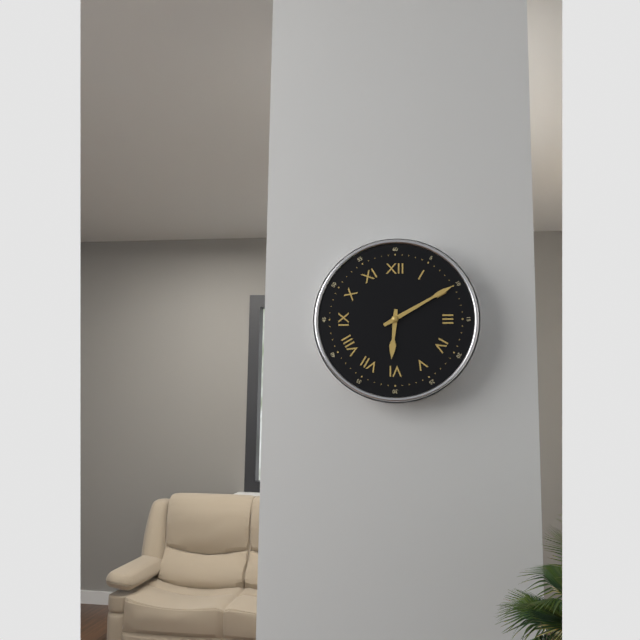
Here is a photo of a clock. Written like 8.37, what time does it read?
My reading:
6.10
